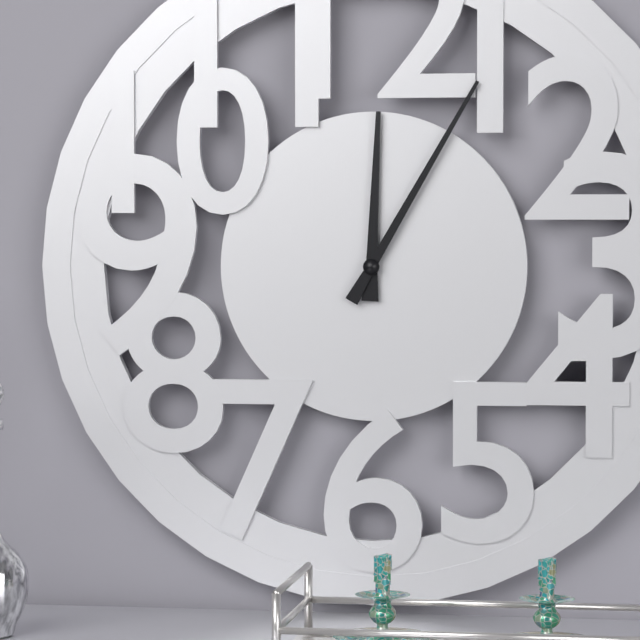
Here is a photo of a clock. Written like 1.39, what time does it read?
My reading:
12.05
